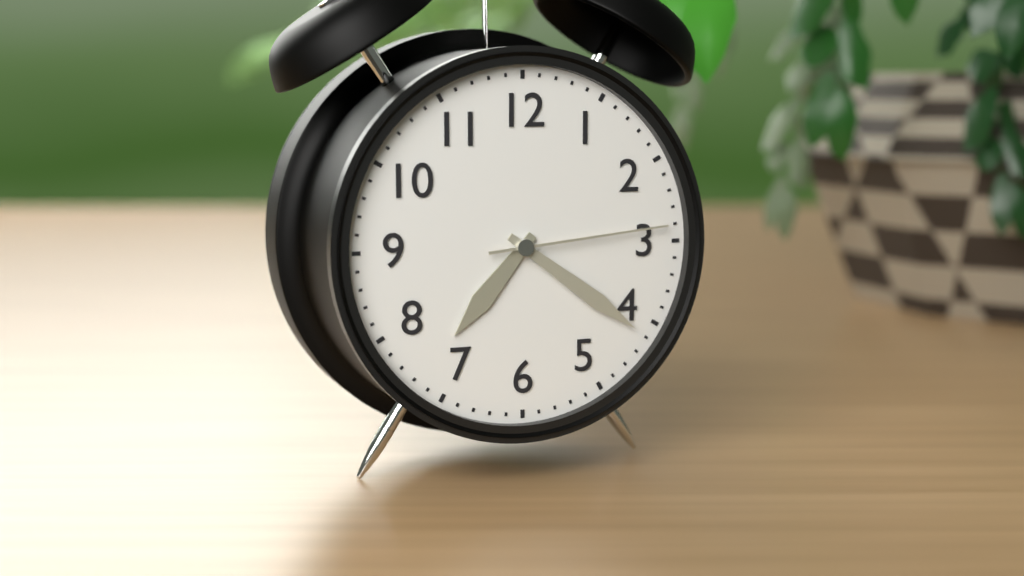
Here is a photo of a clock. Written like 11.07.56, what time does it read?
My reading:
7.21.14
